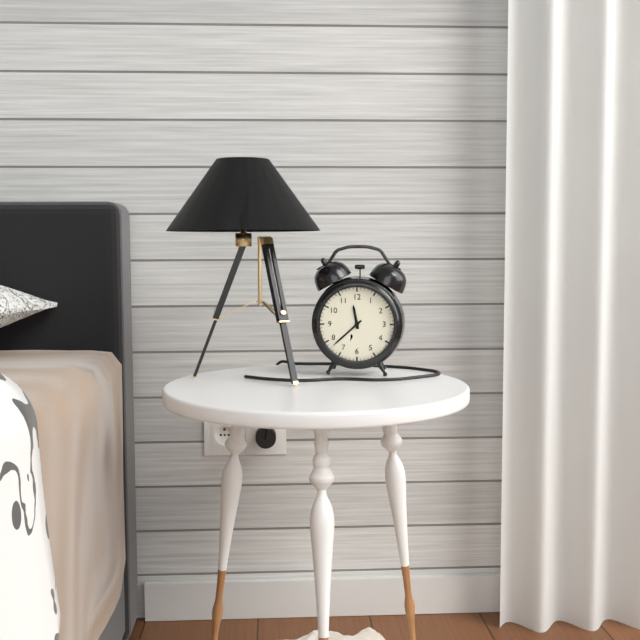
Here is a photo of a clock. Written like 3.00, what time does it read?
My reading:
11.38
